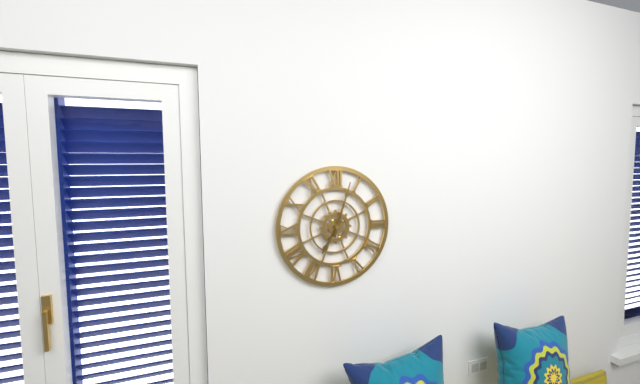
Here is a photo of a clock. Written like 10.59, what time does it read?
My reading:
7.03
